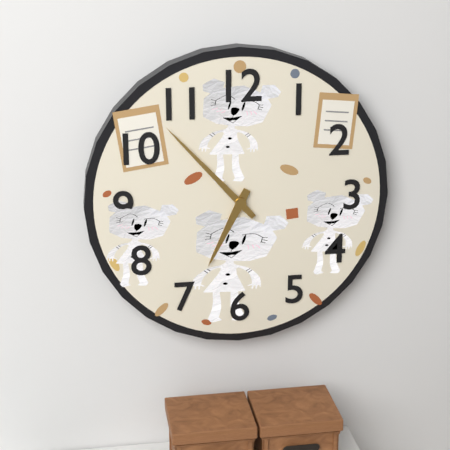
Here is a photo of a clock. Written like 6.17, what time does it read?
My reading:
6.53
